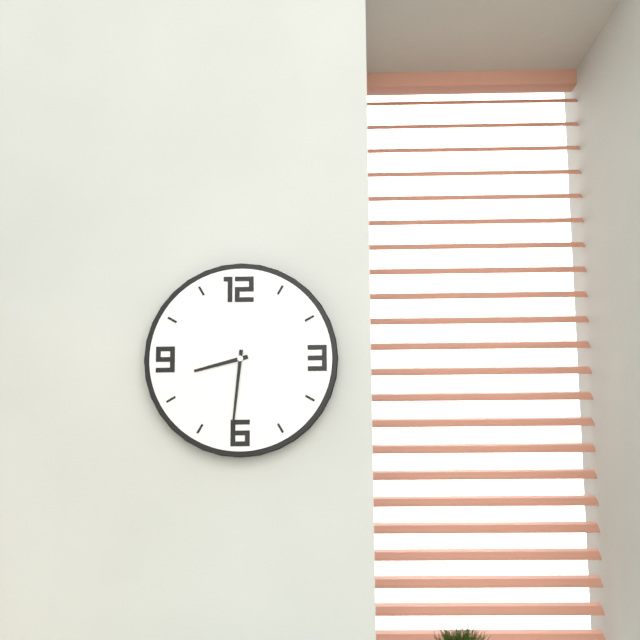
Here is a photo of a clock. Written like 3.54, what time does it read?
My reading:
8.31
